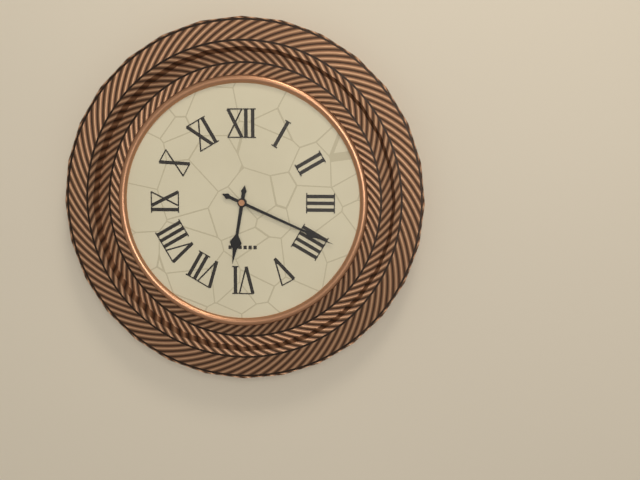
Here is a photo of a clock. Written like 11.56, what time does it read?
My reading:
6.19
